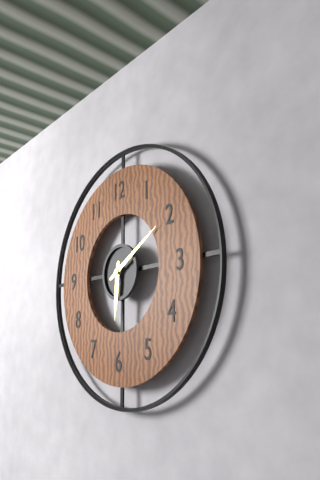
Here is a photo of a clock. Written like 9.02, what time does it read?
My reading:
6.10
